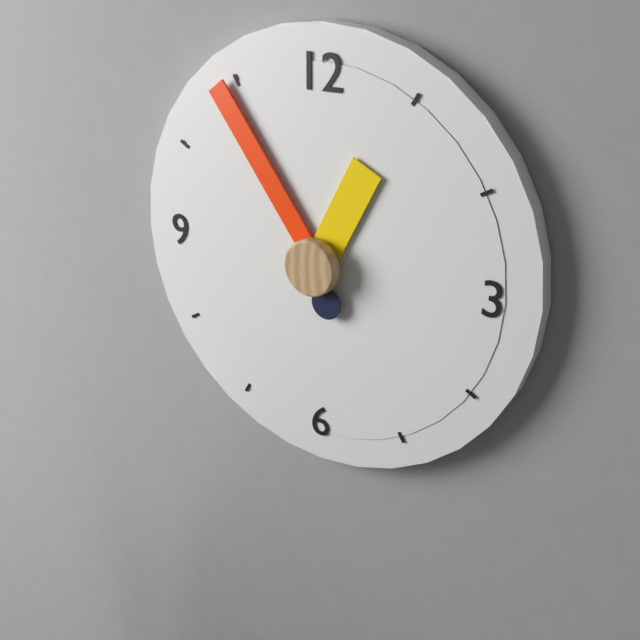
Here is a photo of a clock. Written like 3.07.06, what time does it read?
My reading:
12.54.27
